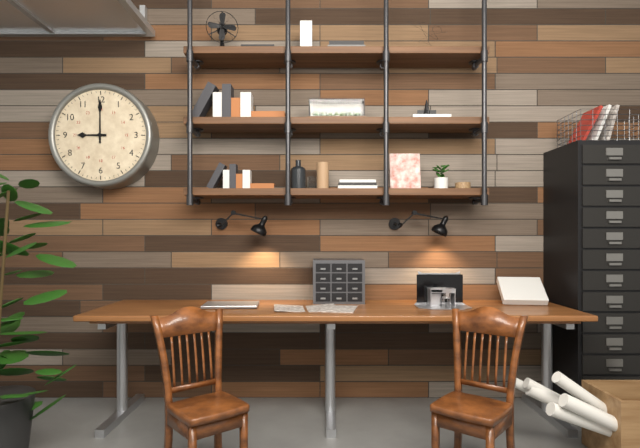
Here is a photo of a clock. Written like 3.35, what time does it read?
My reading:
9.00
